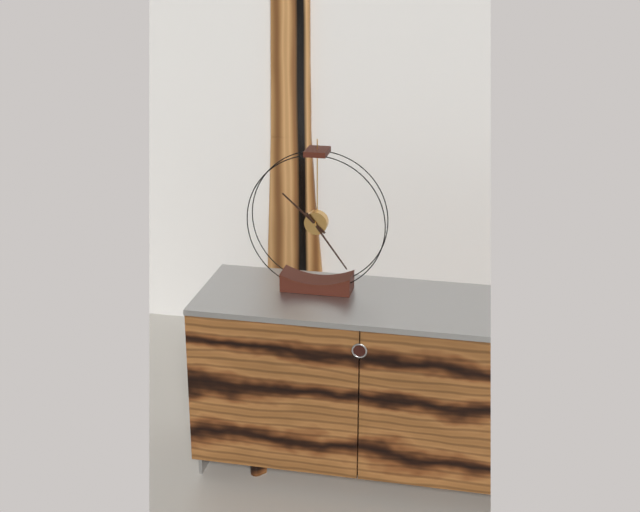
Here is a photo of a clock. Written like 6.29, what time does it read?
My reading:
10.24
